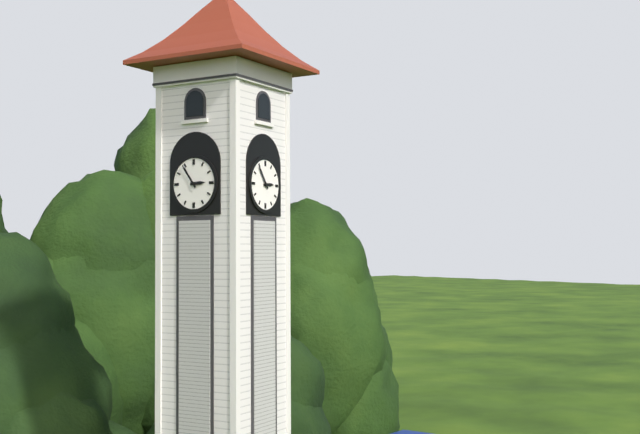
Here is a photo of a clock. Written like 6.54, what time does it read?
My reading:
2.54
